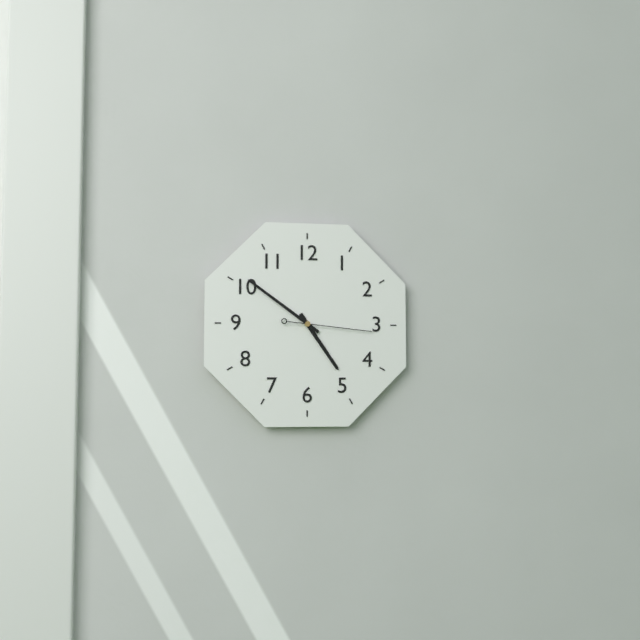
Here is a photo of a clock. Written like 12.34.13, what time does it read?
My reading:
4.51.16
